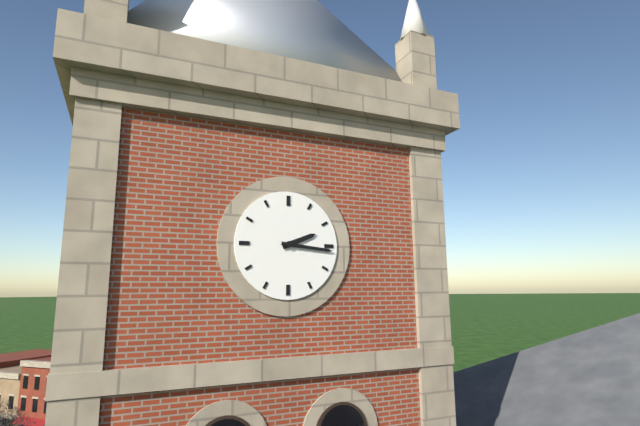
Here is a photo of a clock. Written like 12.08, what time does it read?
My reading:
2.16
